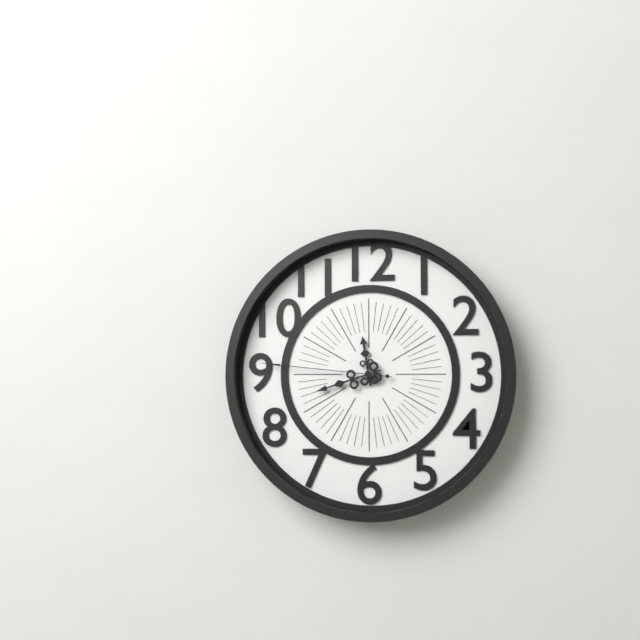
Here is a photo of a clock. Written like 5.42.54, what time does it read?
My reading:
11.42.46
